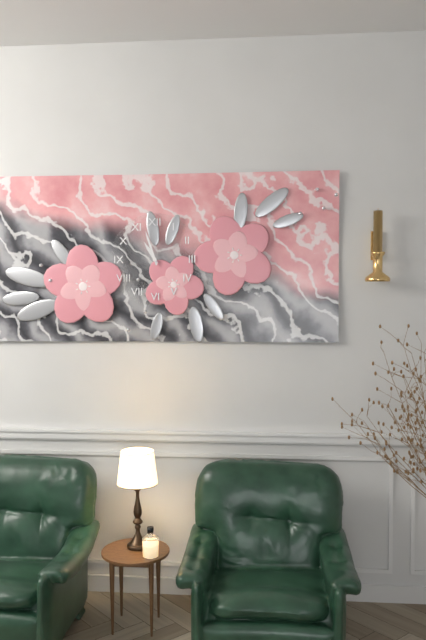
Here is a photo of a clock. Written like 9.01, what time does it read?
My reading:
10.57
